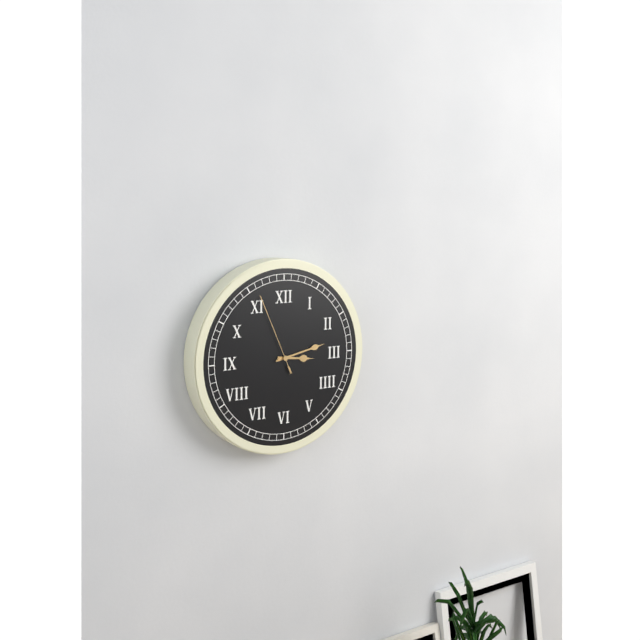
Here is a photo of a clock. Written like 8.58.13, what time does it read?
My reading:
3.13.56
